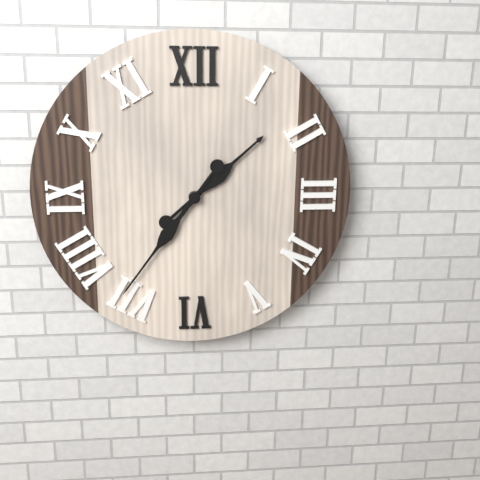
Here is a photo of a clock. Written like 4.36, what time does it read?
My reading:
1.36
